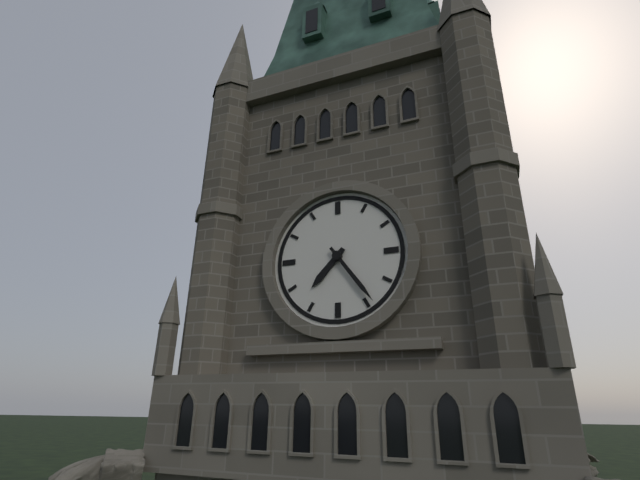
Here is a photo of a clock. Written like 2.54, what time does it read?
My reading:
7.24
